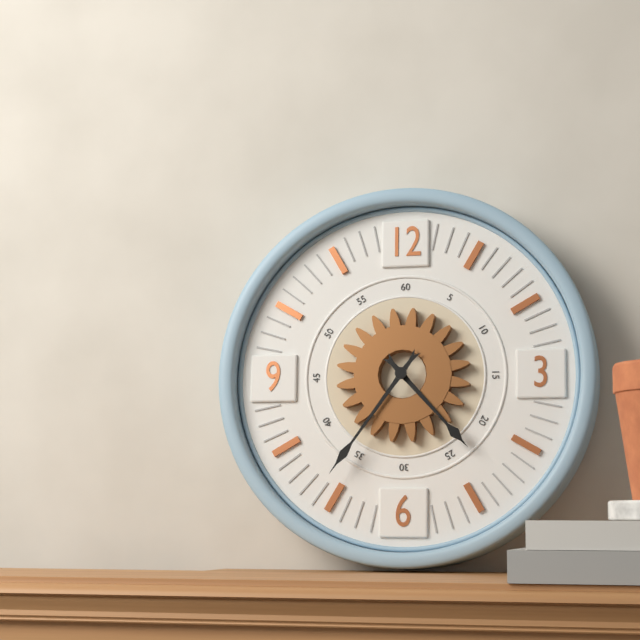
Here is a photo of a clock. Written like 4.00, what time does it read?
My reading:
4.36
